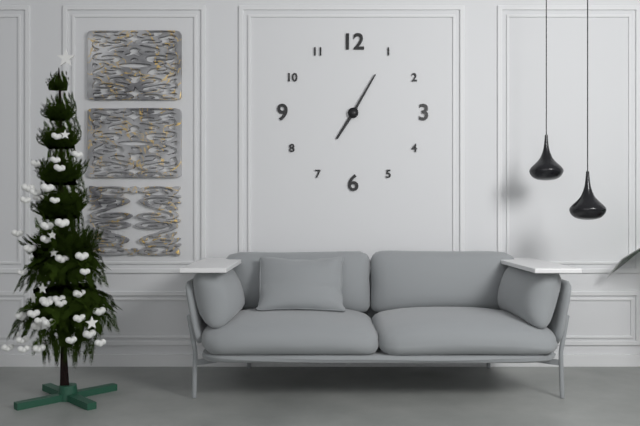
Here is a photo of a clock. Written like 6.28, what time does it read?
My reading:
7.05
